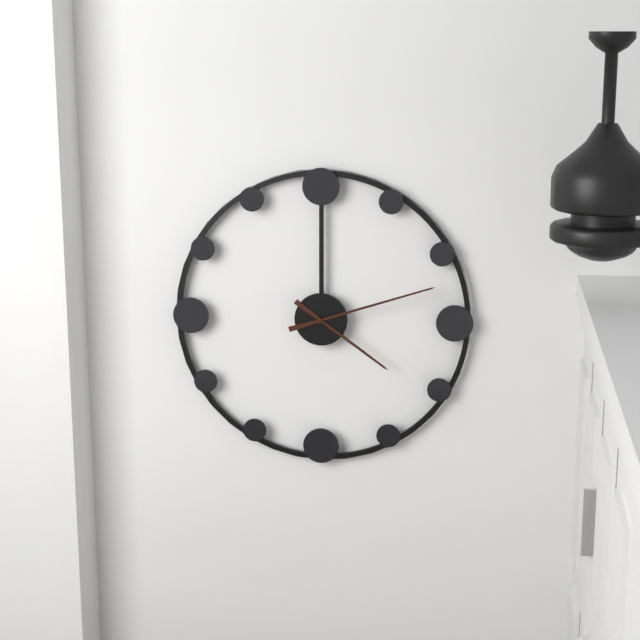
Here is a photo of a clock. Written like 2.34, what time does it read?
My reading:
4.12
